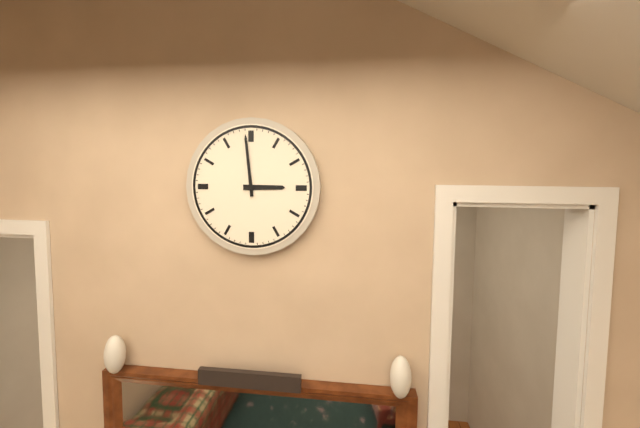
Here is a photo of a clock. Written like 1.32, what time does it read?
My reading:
2.59
